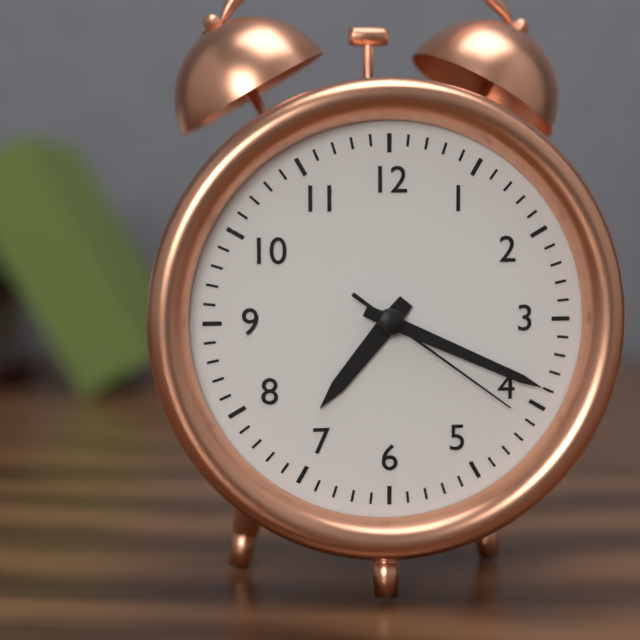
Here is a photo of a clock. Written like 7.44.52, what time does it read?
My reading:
7.19.21
